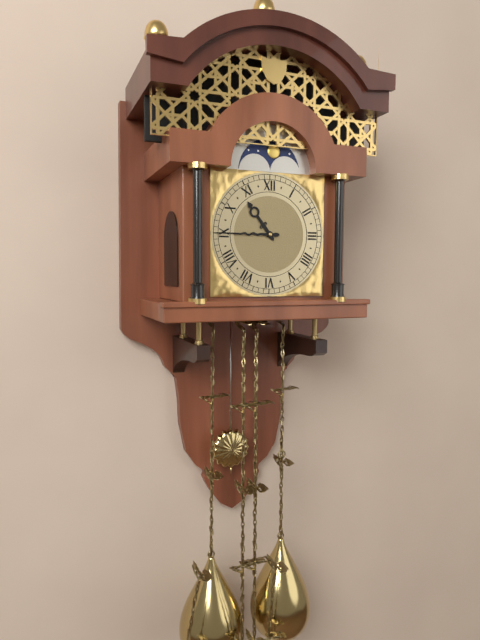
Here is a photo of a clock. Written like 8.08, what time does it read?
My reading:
10.45
